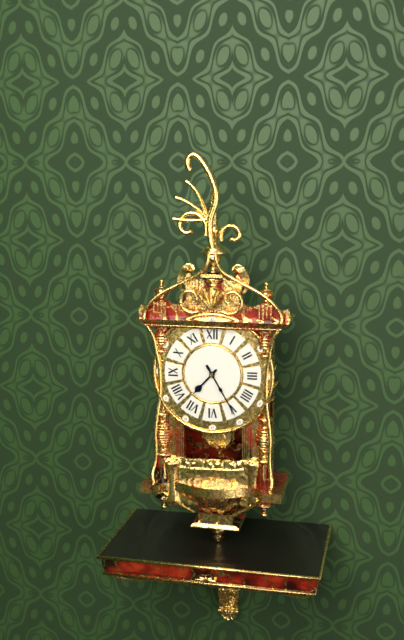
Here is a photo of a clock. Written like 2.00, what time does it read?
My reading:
7.25
